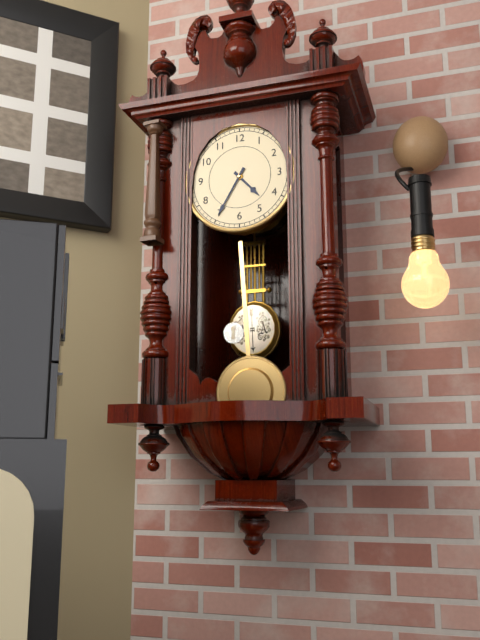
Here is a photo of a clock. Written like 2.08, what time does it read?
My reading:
4.35
